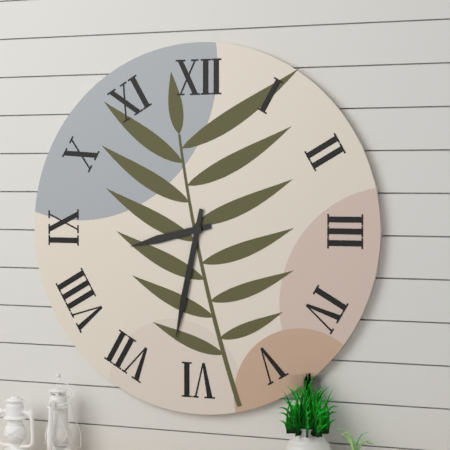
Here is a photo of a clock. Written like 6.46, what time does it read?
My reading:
8.32
